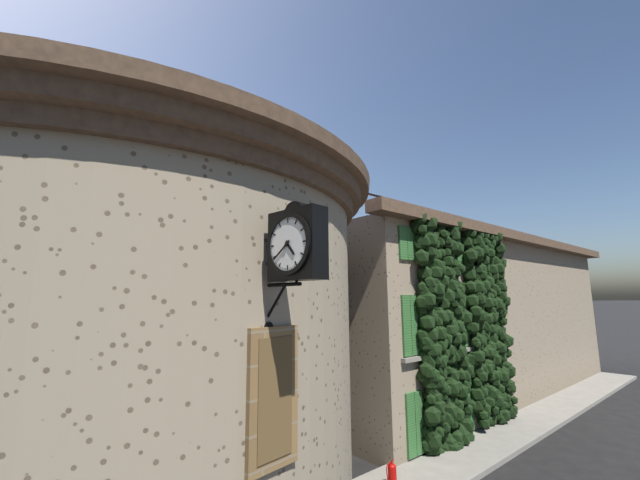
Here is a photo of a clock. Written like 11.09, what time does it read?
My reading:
4.39
